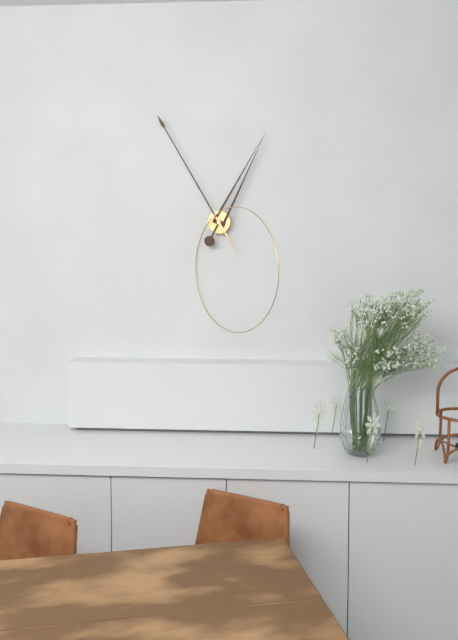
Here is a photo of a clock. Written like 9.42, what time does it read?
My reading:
12.55
